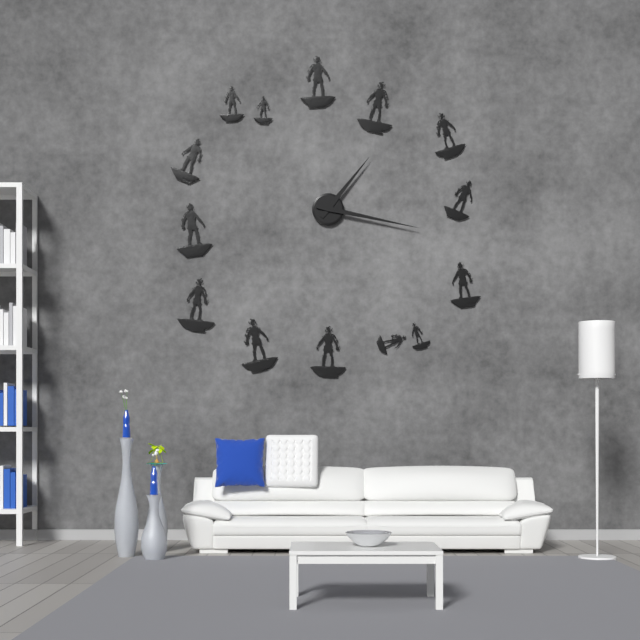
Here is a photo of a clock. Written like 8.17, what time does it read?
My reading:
1.17
